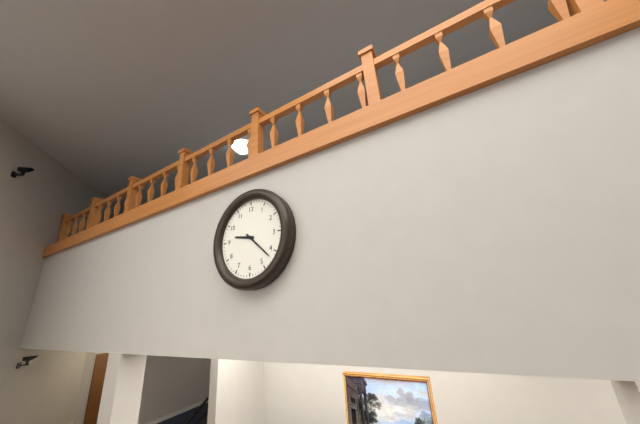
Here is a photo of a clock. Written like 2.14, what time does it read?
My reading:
9.22
